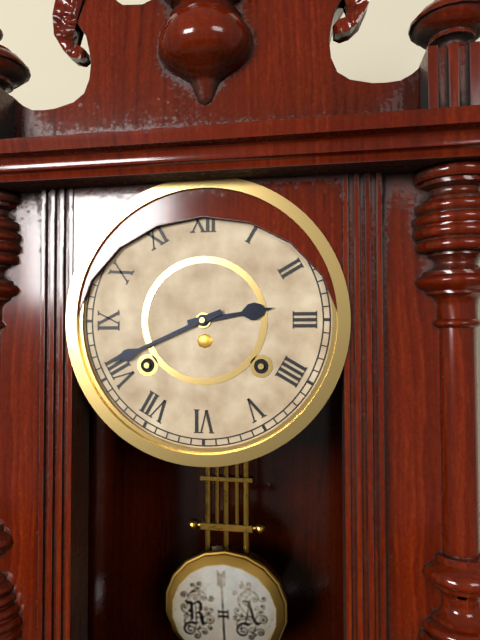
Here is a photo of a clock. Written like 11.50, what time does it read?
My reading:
2.41
